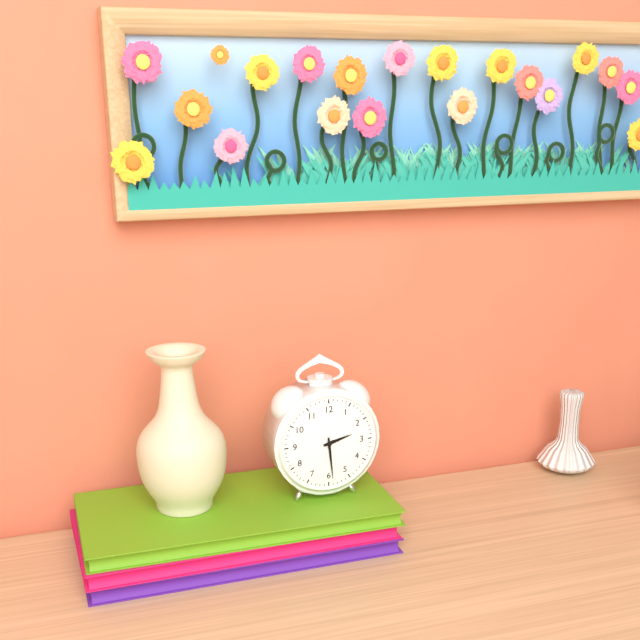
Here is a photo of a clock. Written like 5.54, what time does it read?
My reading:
2.29
